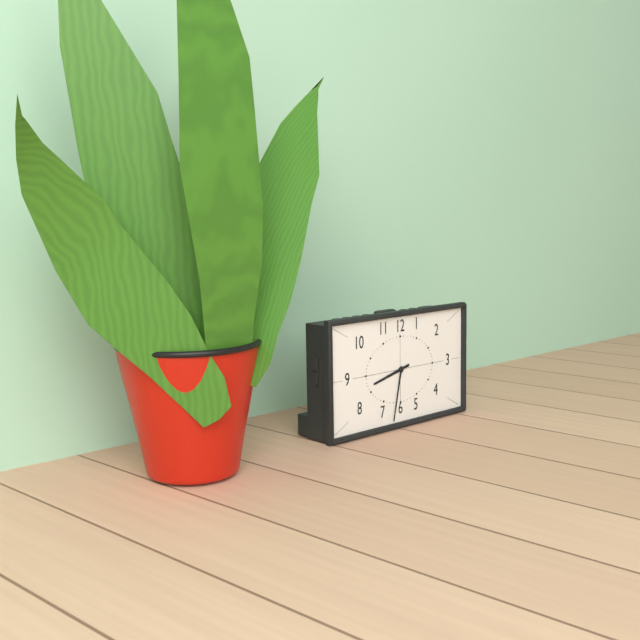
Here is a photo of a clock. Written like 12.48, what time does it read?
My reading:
8.32
